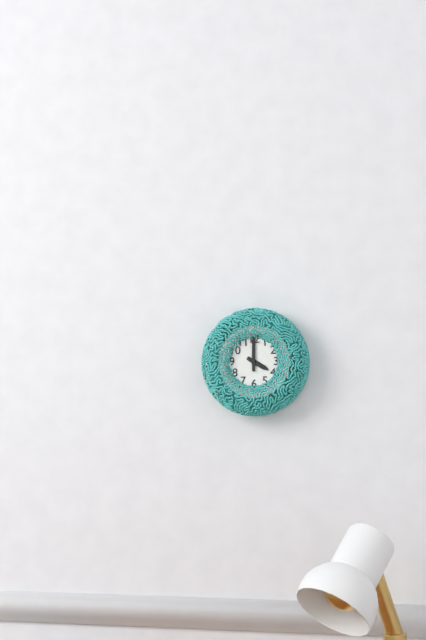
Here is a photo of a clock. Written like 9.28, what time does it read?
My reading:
4.00
